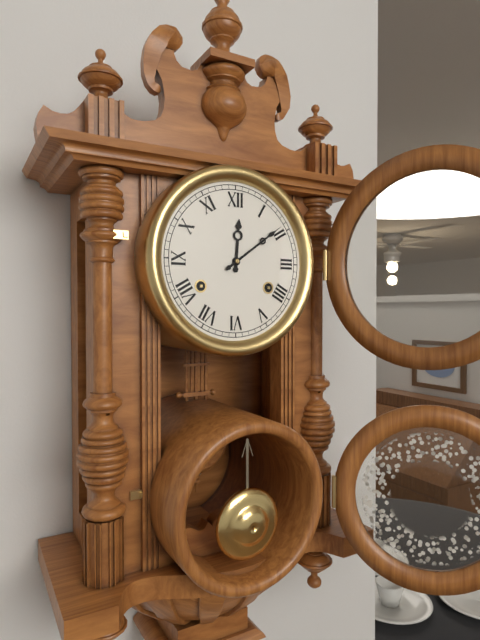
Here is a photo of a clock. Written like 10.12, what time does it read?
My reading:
12.09
